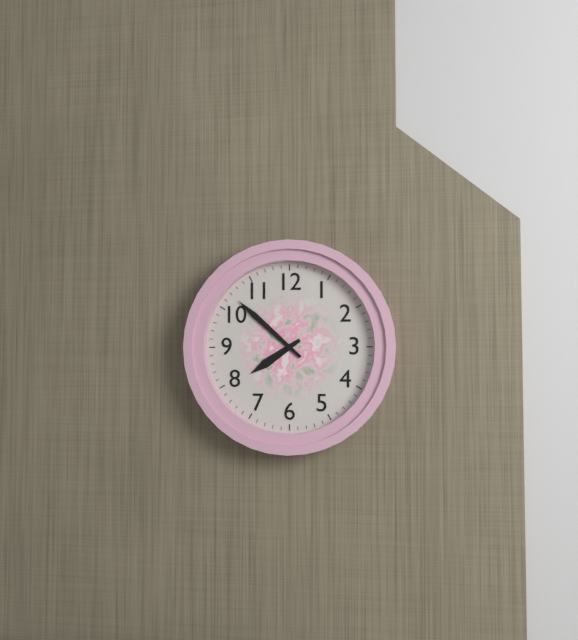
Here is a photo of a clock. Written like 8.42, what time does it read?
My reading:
7.52
